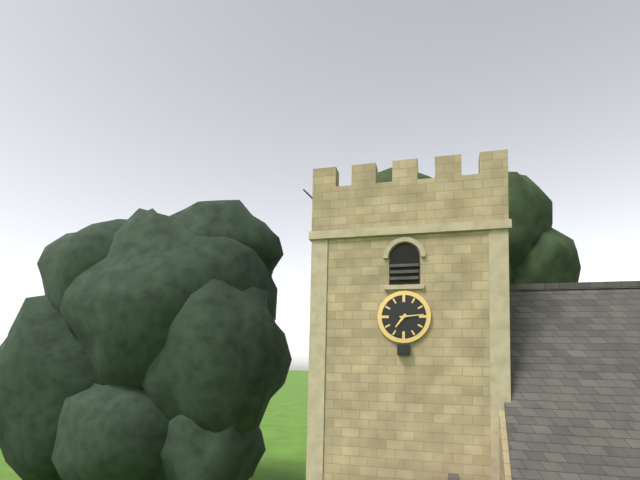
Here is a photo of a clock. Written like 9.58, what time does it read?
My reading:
7.14
